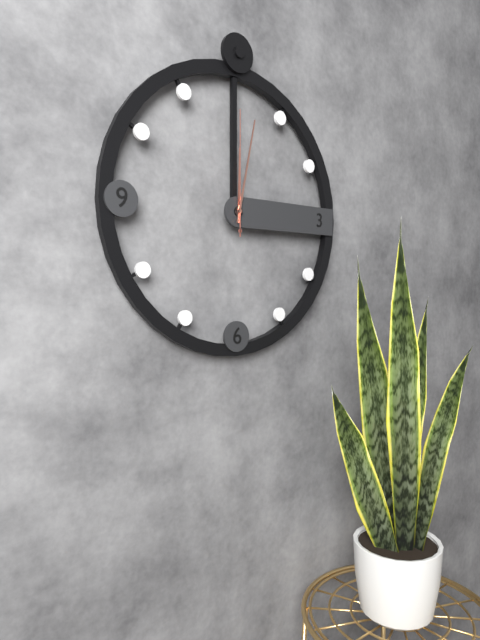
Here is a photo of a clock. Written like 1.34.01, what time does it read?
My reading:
12.02.00
